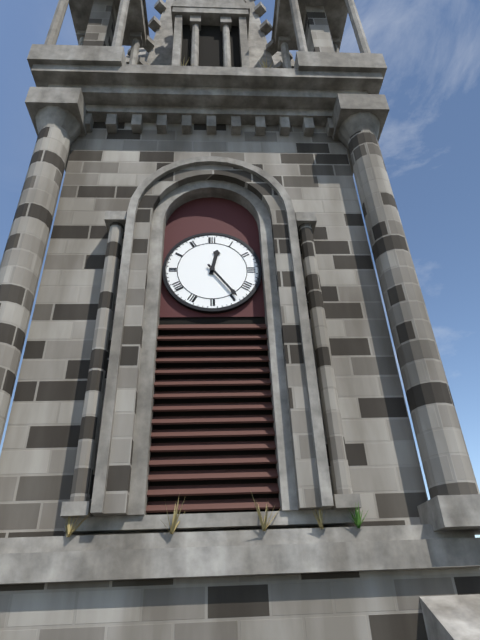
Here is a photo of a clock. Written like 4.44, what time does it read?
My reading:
12.24
